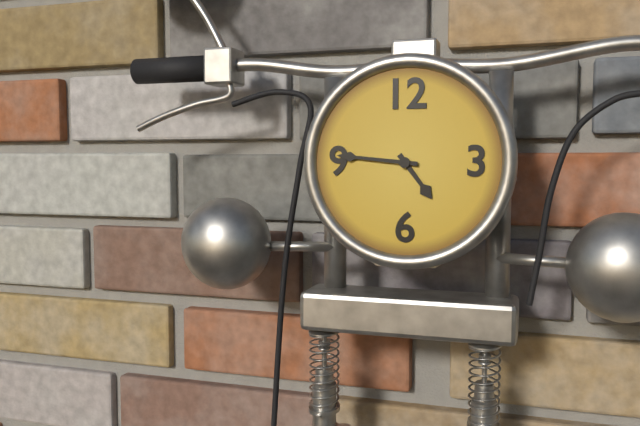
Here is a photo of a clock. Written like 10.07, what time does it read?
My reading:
4.46
